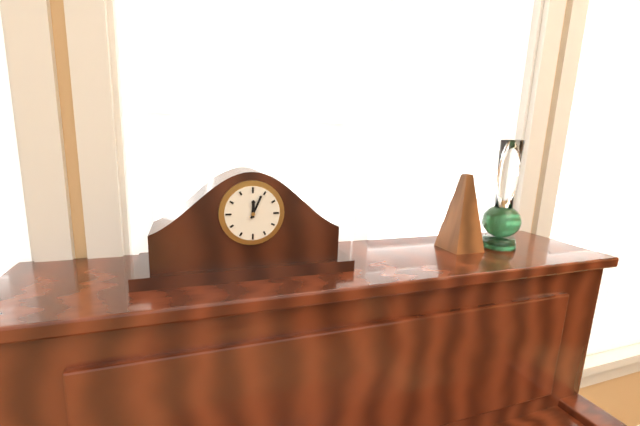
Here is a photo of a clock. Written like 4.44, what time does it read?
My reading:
12.04
